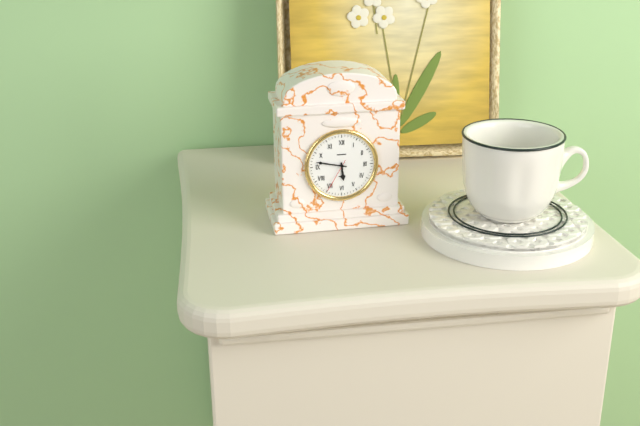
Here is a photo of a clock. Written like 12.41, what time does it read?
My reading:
5.47
